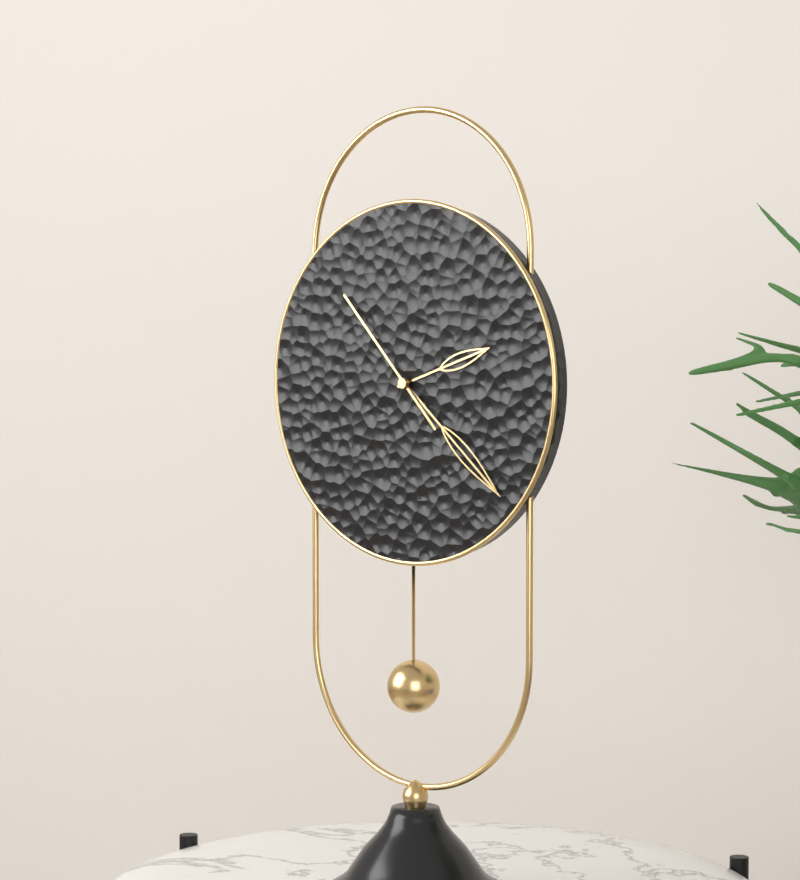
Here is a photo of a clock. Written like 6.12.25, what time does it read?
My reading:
2.22.53
